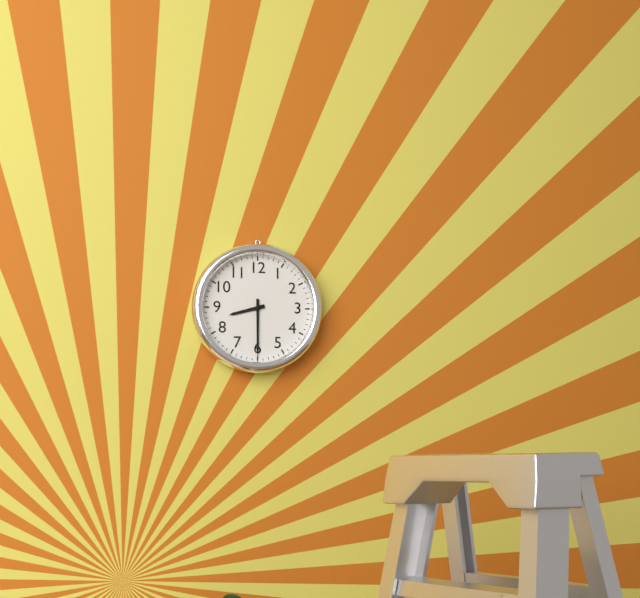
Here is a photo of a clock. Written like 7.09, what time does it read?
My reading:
8.30
